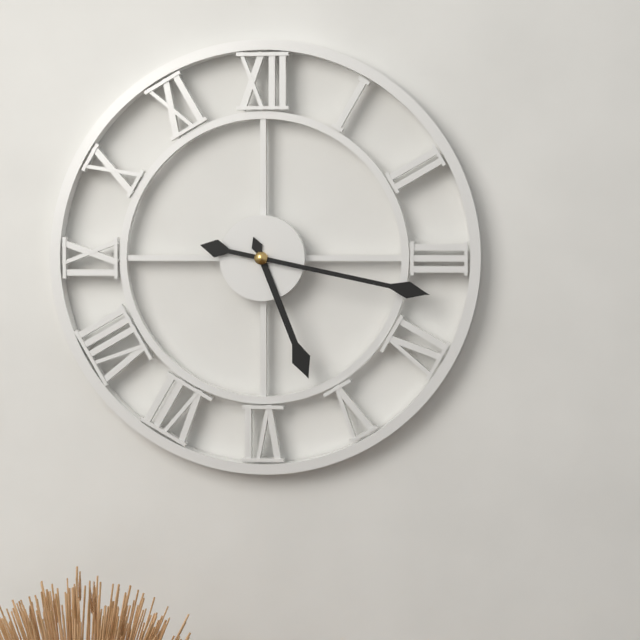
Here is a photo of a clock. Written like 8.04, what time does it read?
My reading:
5.17
